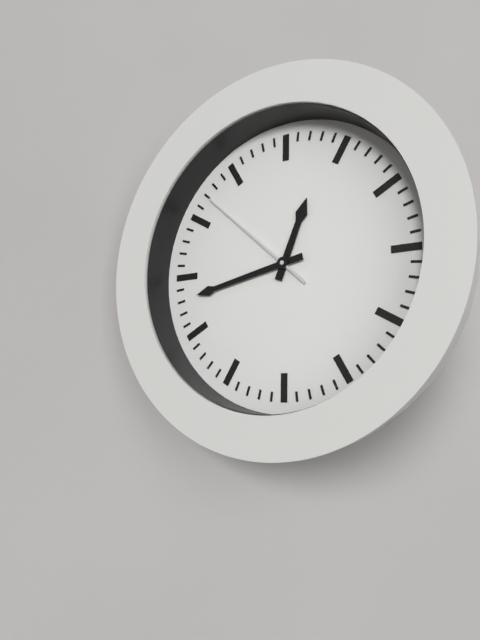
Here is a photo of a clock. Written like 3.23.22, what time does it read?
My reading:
12.43.52
